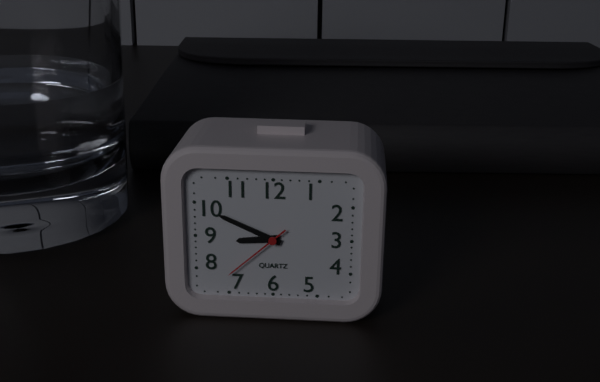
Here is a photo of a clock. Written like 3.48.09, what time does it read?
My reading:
8.49.38
